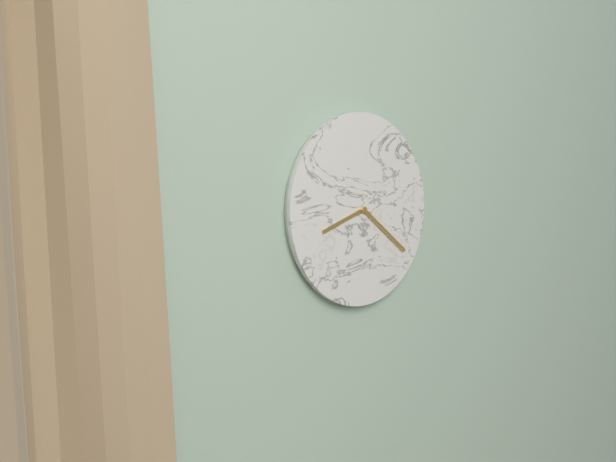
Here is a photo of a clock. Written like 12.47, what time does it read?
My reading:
8.21
